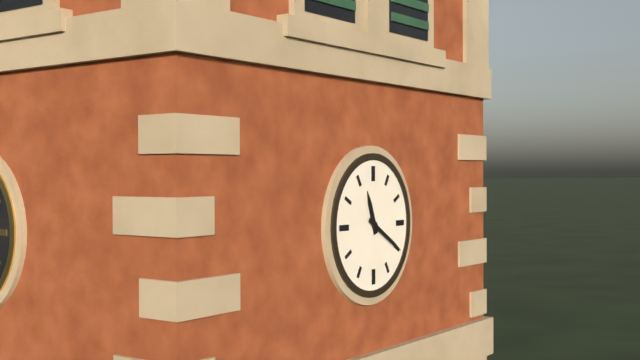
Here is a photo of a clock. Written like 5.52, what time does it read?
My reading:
11.20
